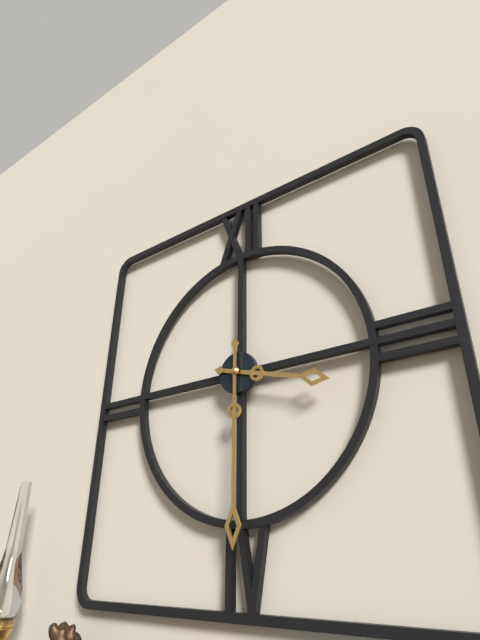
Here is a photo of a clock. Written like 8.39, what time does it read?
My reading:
3.30
